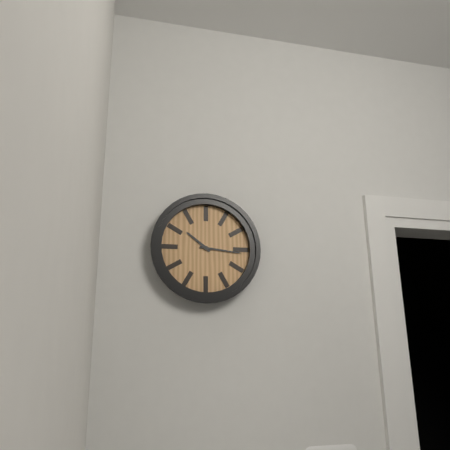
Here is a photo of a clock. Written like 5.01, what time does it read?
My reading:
10.16
